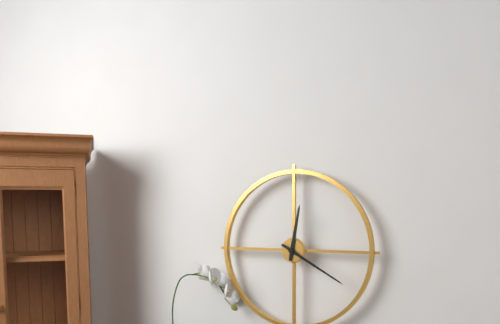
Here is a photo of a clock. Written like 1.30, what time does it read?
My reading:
12.20
